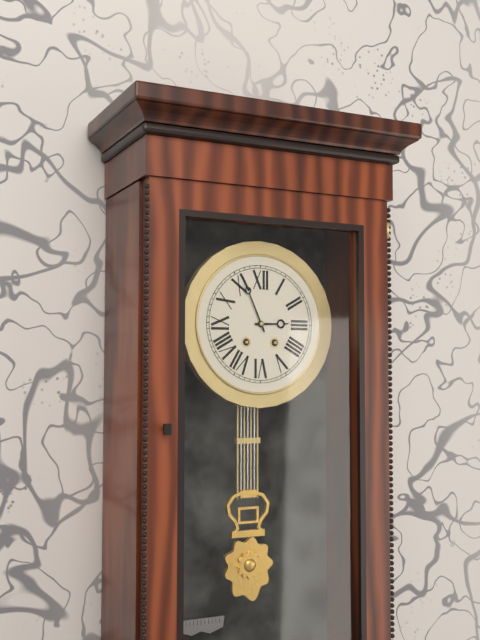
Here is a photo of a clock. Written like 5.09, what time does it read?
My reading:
2.56
